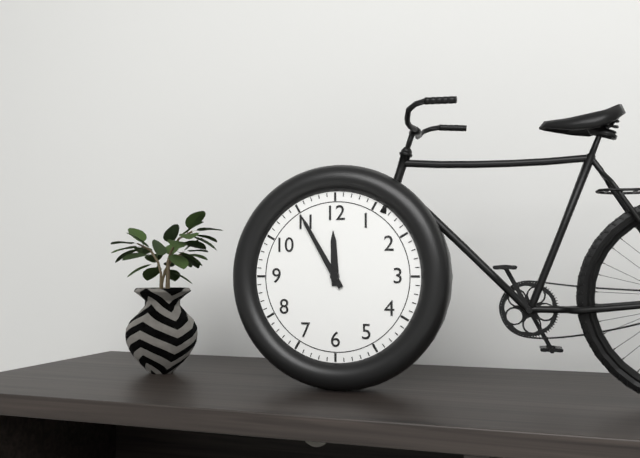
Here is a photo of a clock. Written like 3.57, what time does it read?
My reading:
11.55
